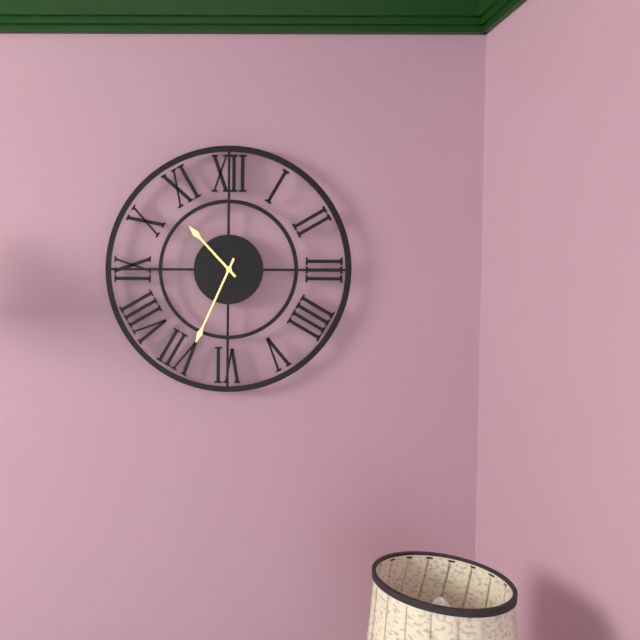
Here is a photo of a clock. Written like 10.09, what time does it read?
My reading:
10.34
